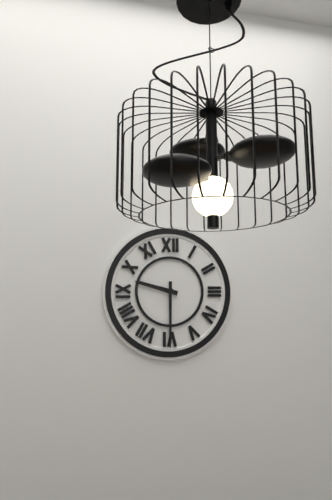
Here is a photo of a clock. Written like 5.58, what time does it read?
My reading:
9.30
